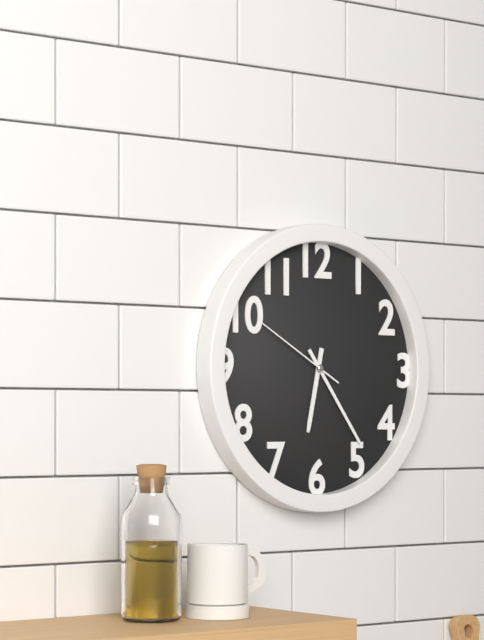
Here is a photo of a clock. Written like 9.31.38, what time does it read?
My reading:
6.24.50
